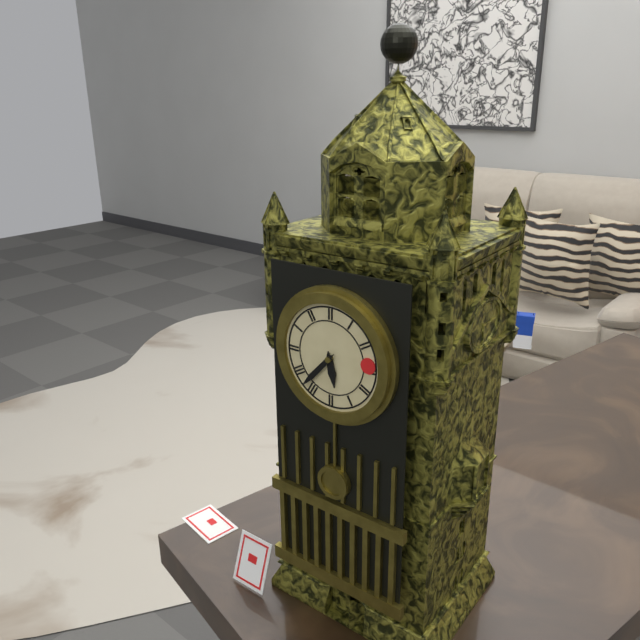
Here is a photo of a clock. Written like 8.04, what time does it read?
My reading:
5.37
